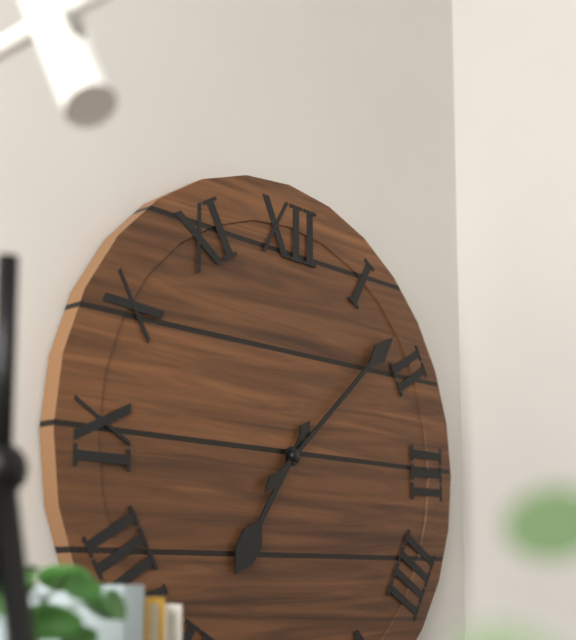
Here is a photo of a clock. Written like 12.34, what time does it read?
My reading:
7.08
